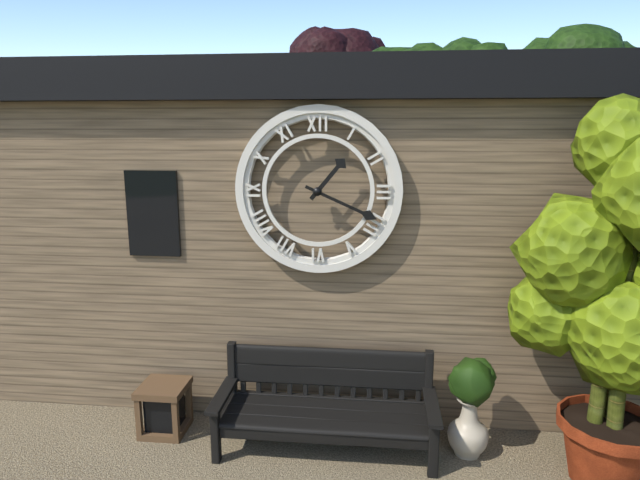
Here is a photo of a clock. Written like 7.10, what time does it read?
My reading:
1.19
